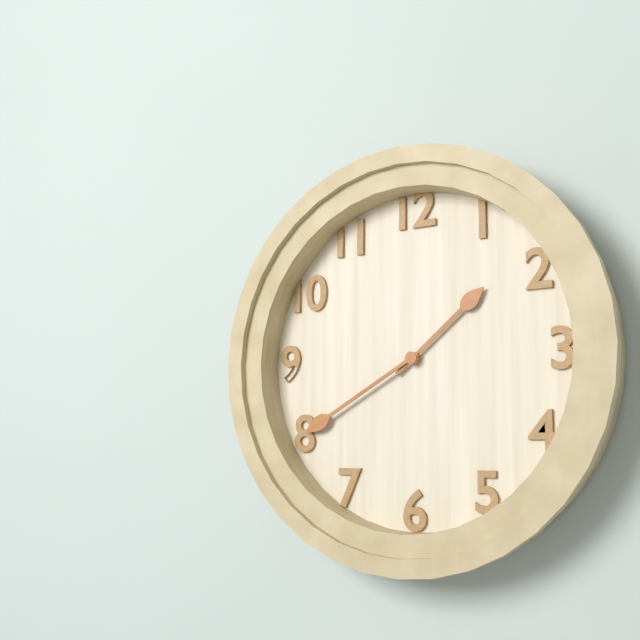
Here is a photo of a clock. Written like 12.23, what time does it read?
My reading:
1.40
